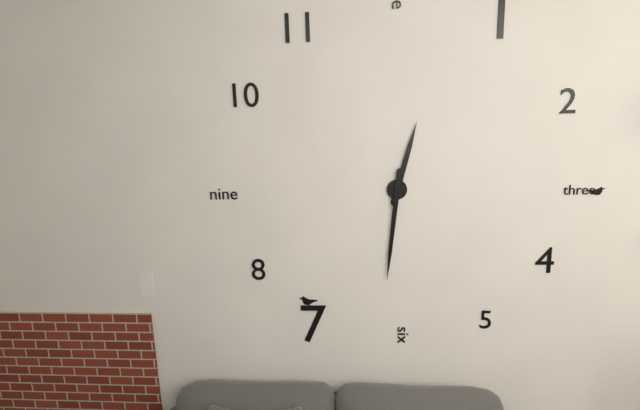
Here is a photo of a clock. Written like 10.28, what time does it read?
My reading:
12.31
